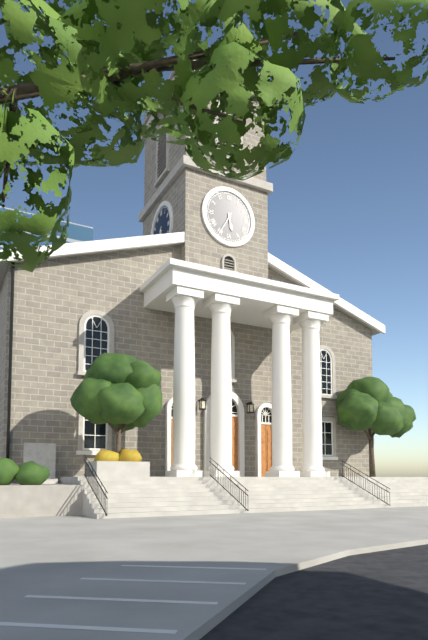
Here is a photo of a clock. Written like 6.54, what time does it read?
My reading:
5.35
